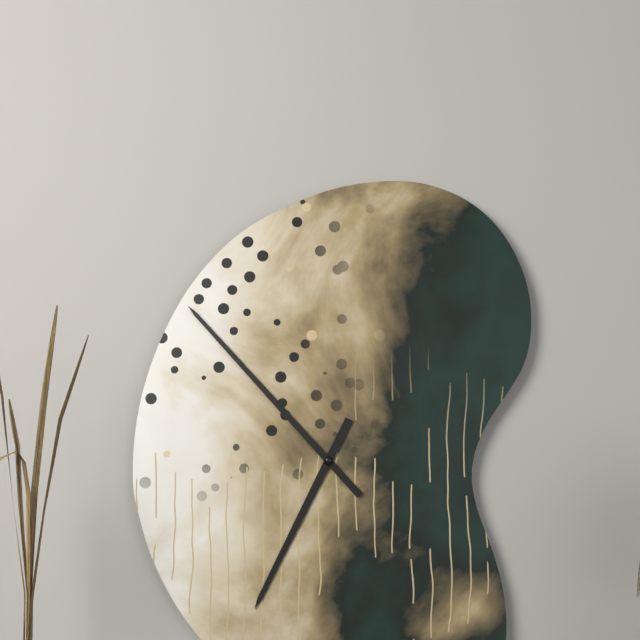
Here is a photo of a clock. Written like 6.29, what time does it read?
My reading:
6.53
